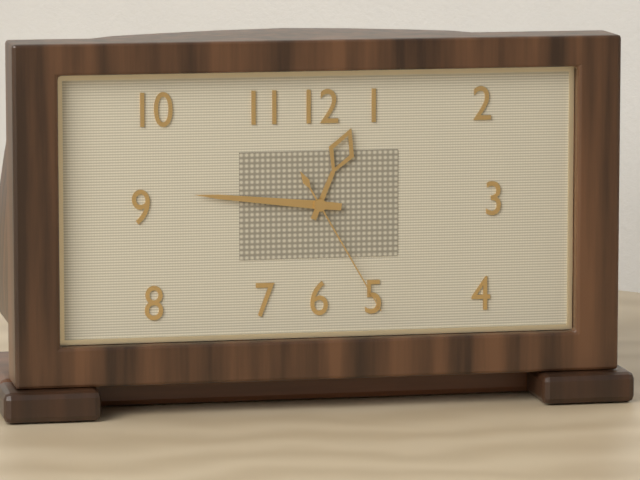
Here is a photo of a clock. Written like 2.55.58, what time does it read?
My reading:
12.46.25
